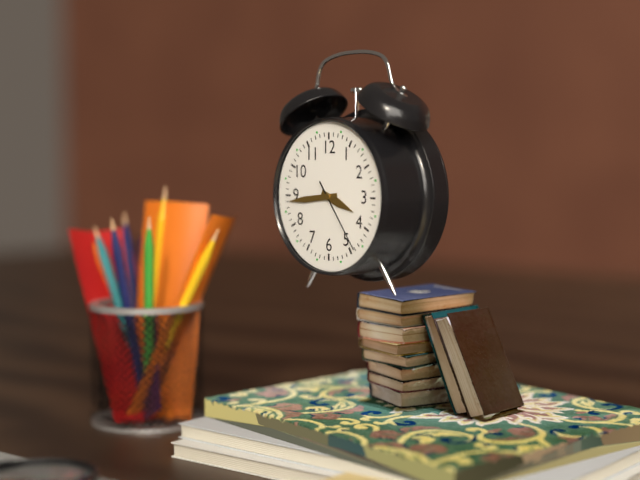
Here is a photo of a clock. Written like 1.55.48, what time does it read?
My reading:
3.44.24
